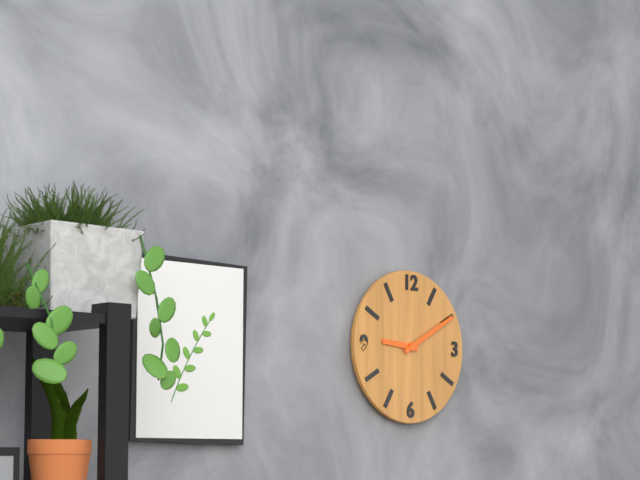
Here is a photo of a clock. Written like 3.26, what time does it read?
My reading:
9.10
